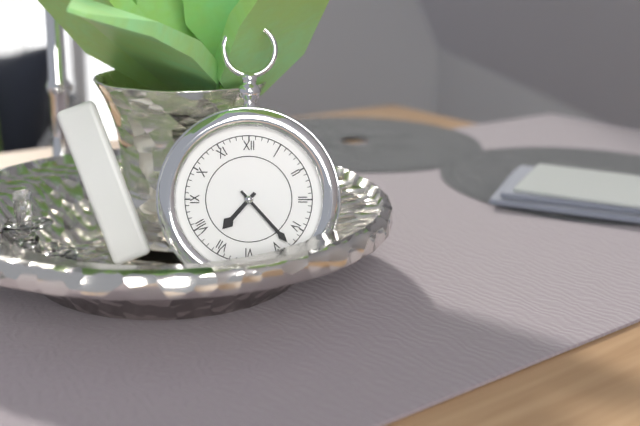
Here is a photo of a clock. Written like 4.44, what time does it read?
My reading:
7.23
